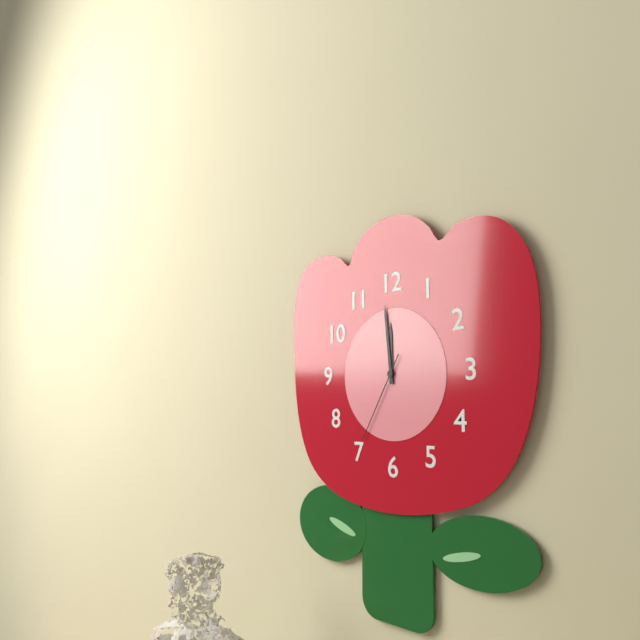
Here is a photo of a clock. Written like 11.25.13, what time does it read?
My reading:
11.59.35
